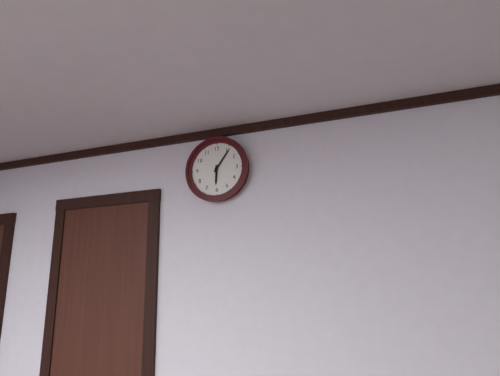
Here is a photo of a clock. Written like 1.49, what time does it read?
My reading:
6.06
